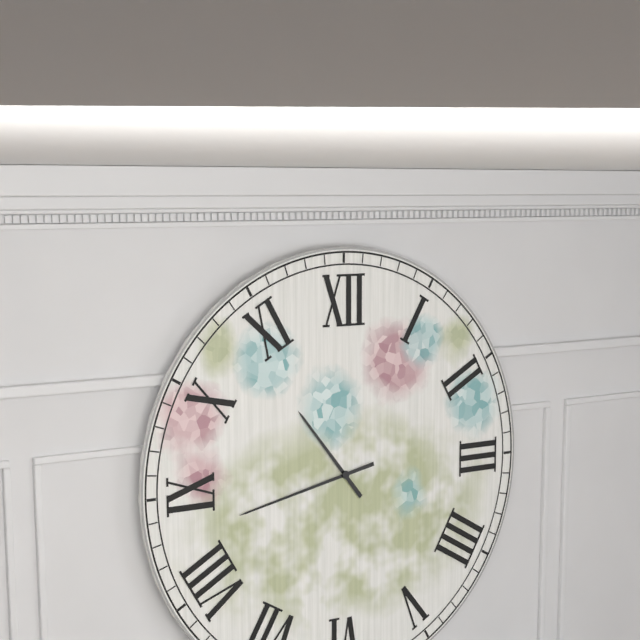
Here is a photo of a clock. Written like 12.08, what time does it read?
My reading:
10.43
